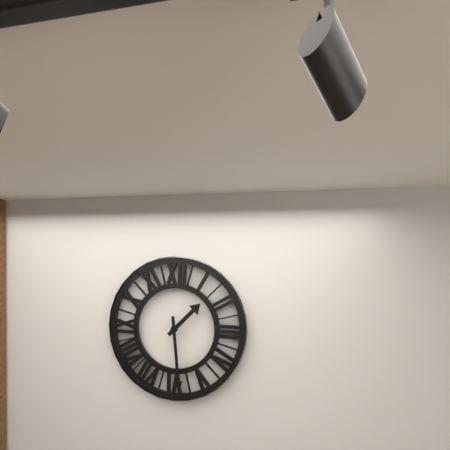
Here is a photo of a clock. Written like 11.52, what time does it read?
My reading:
1.29
